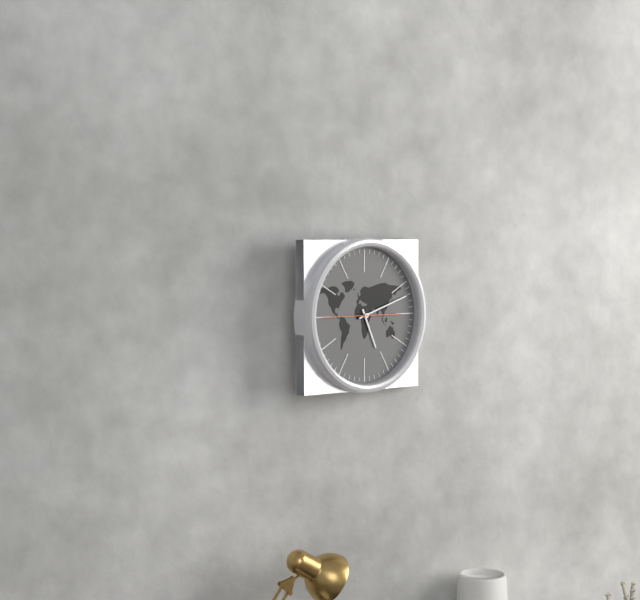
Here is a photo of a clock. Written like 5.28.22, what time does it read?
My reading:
5.12.45
